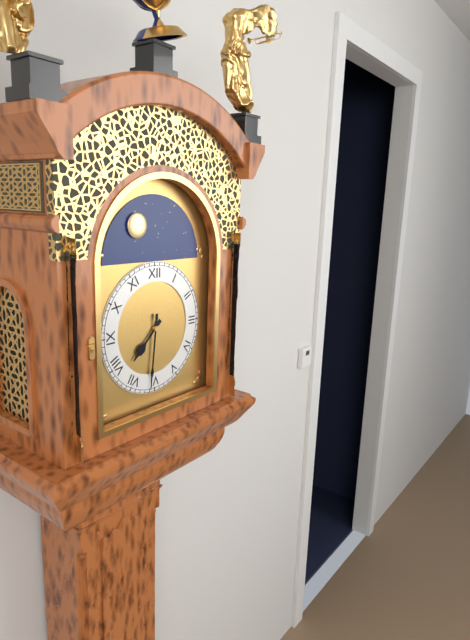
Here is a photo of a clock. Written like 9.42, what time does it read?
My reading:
7.31
